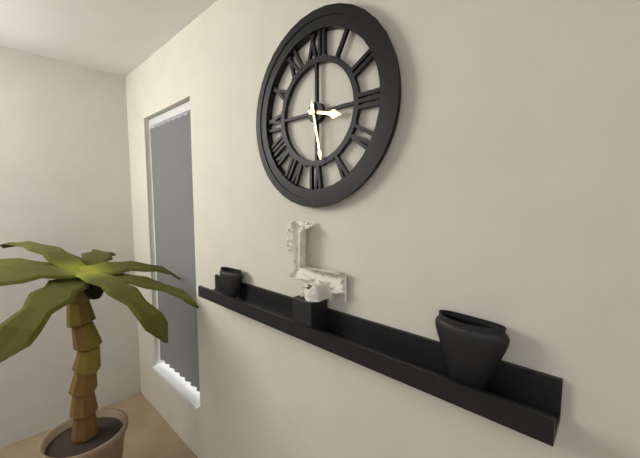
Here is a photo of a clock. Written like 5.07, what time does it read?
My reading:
3.28
